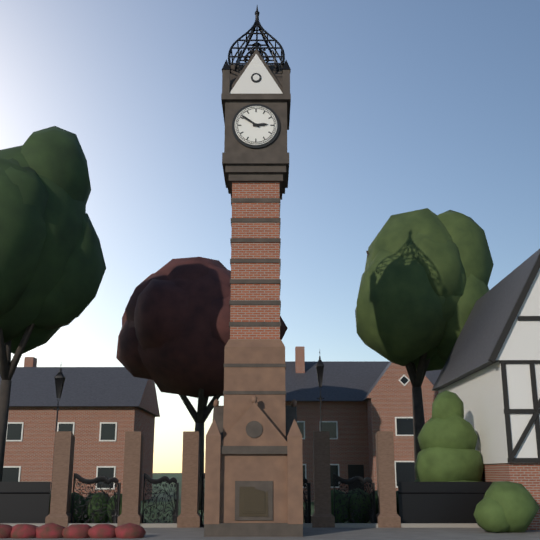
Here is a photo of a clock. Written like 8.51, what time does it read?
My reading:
2.51
